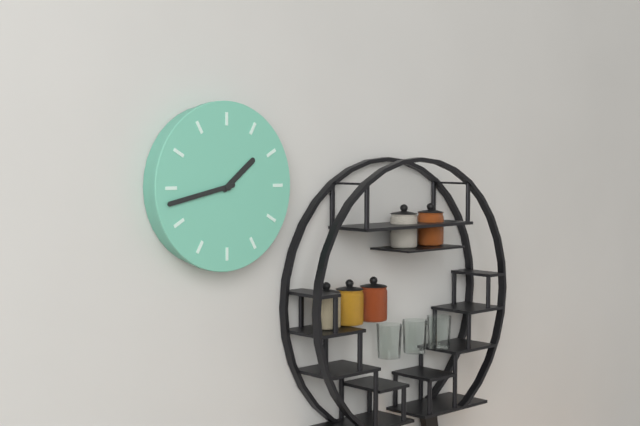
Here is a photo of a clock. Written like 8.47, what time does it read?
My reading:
1.43
